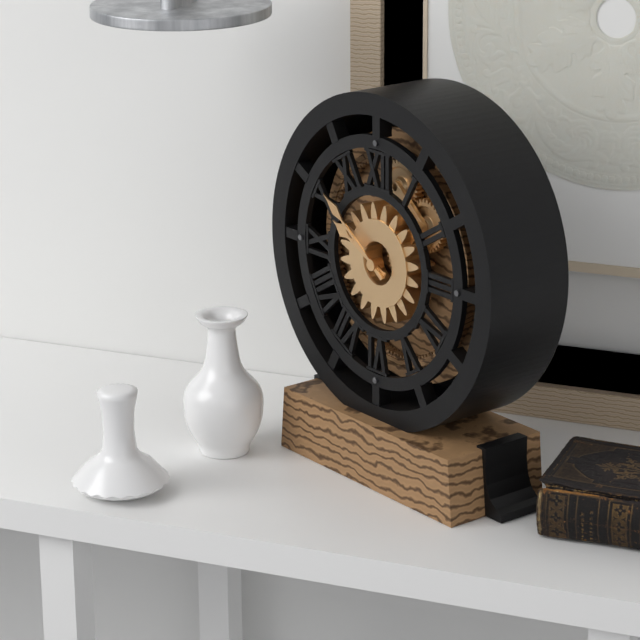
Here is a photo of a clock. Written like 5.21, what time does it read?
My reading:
9.51
